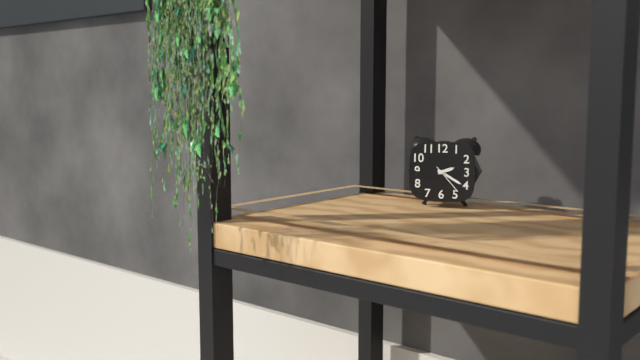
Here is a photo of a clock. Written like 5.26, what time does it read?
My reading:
2.20
